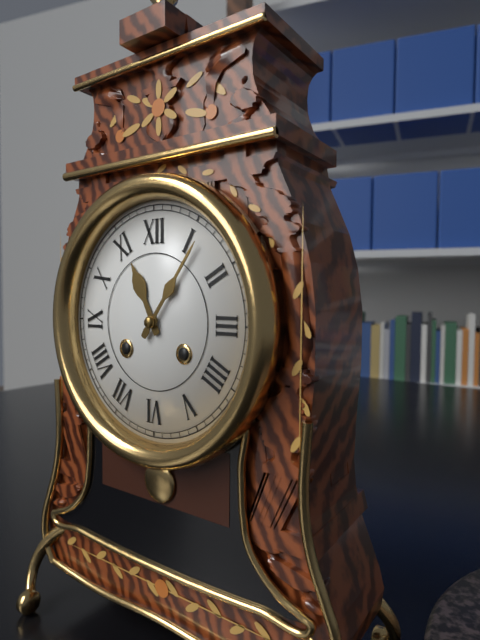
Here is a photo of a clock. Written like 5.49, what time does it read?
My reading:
11.06
